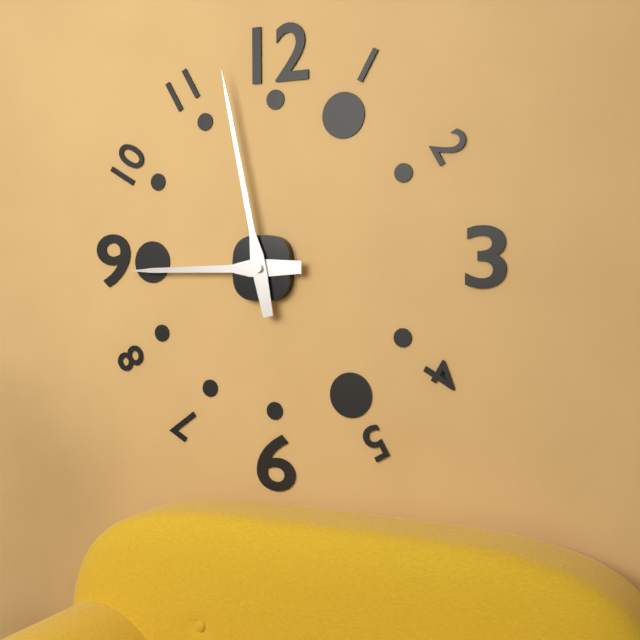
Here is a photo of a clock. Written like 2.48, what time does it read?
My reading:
8.58
